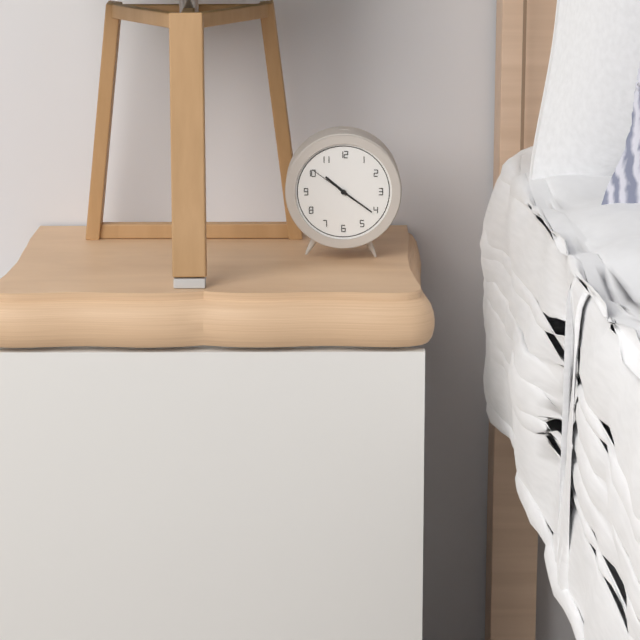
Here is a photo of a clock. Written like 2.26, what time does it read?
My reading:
10.21
